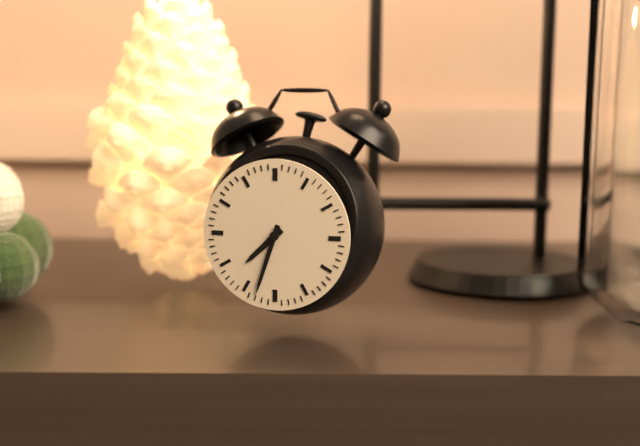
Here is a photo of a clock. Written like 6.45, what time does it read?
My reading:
7.33
